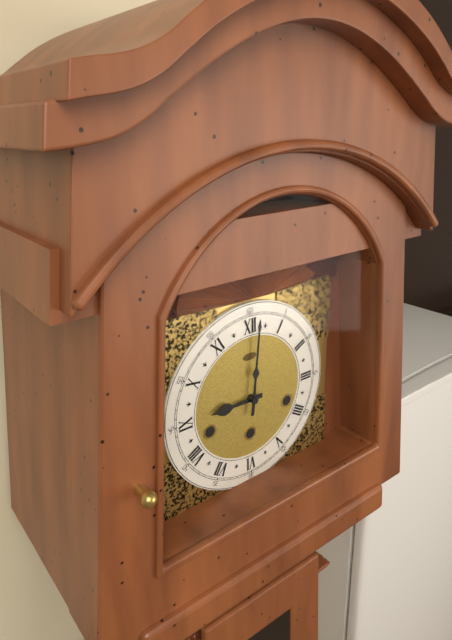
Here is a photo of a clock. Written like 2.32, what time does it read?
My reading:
9.01
